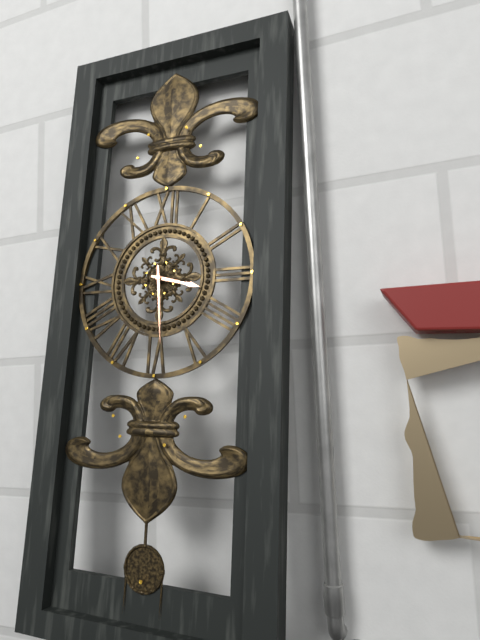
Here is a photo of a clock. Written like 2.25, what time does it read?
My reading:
3.29
